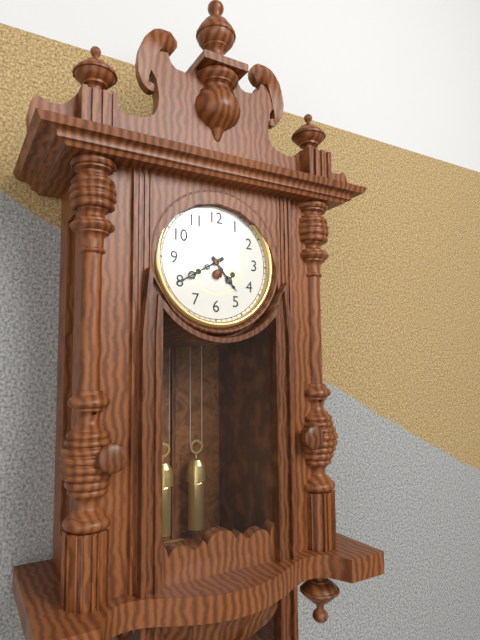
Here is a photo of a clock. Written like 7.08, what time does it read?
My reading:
4.40
